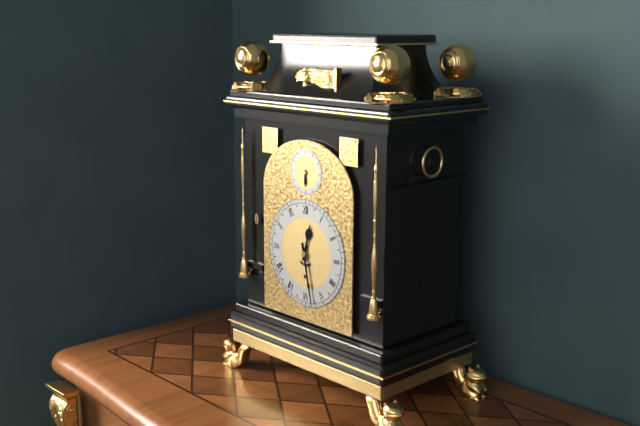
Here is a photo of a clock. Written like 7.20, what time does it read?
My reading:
12.28
